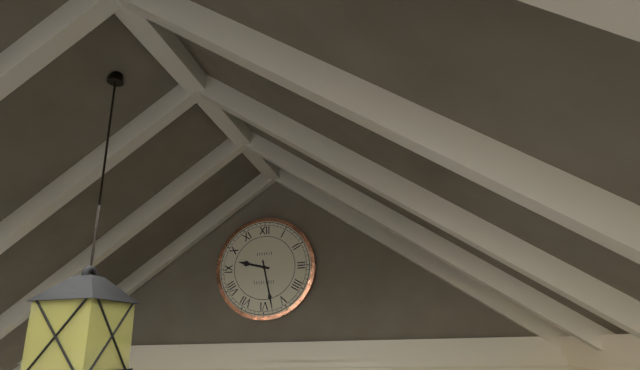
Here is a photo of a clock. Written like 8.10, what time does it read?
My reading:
9.28
